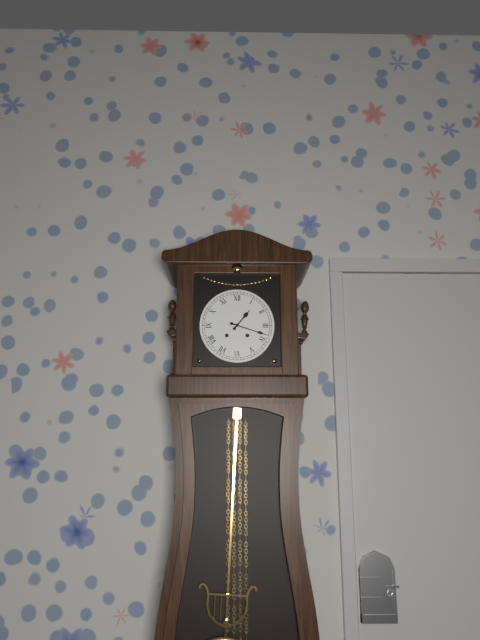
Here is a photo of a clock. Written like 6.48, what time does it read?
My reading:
1.18
